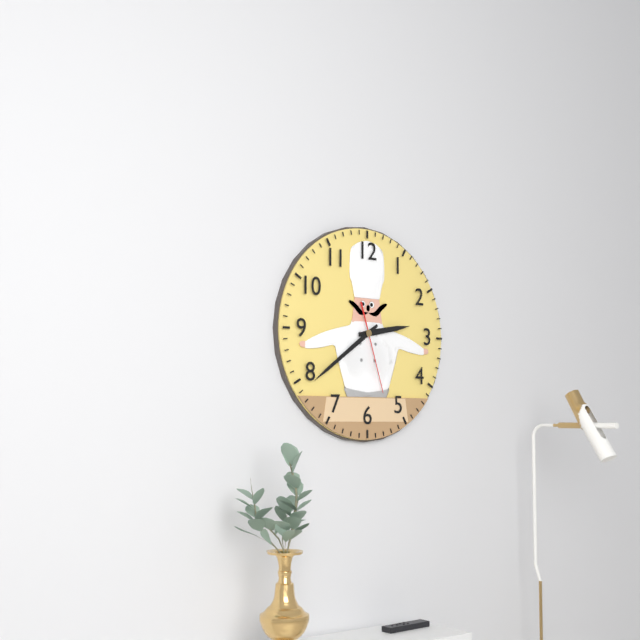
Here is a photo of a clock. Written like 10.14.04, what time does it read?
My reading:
2.39.27
